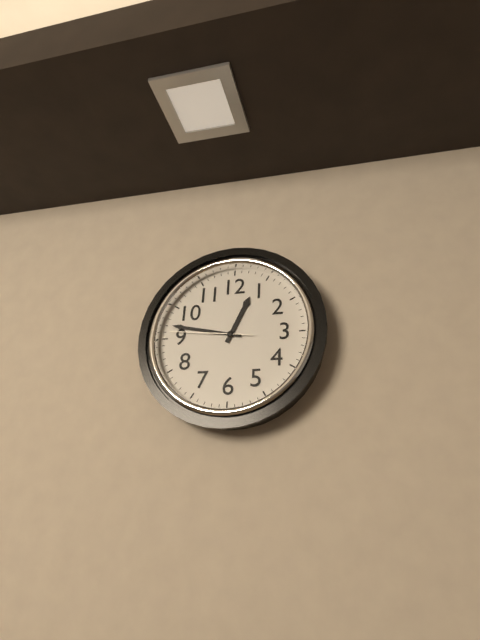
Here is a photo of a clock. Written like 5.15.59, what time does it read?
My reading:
12.47.46
